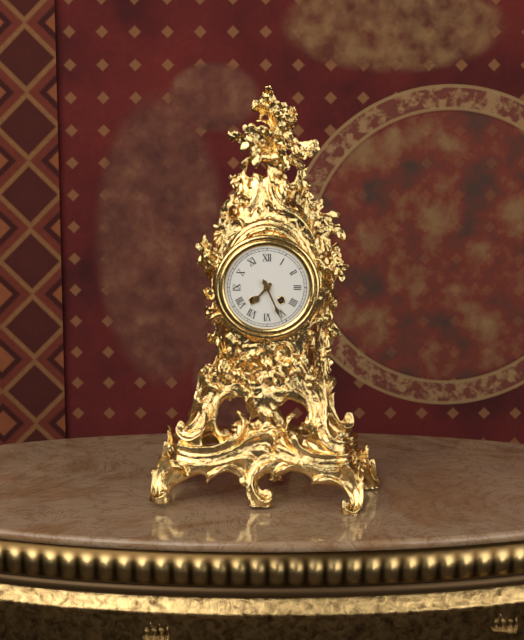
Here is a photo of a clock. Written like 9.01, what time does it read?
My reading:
7.26
